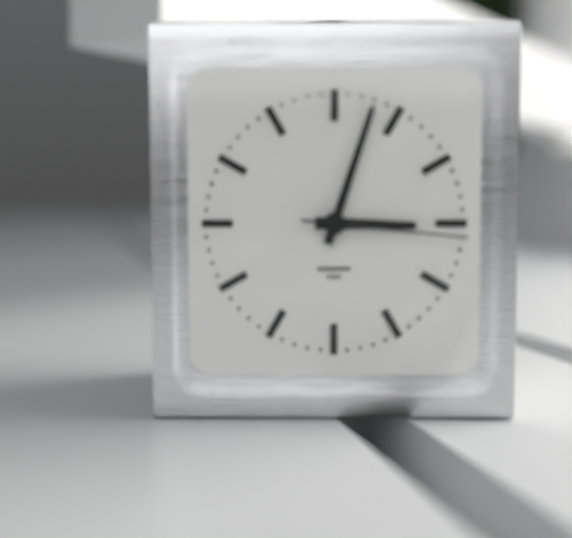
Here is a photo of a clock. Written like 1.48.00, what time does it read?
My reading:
3.03.16
